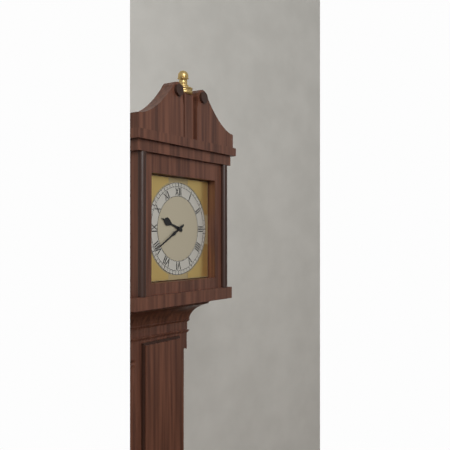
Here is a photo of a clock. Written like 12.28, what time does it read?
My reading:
9.40
